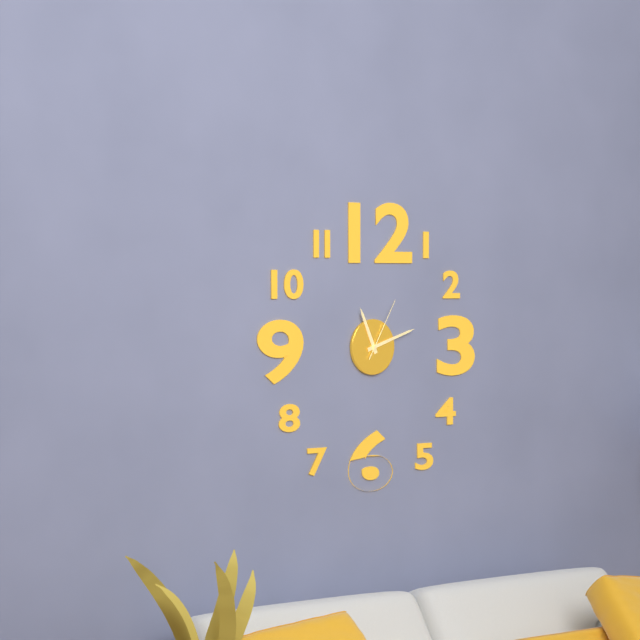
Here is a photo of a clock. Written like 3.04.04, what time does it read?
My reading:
11.12.05
